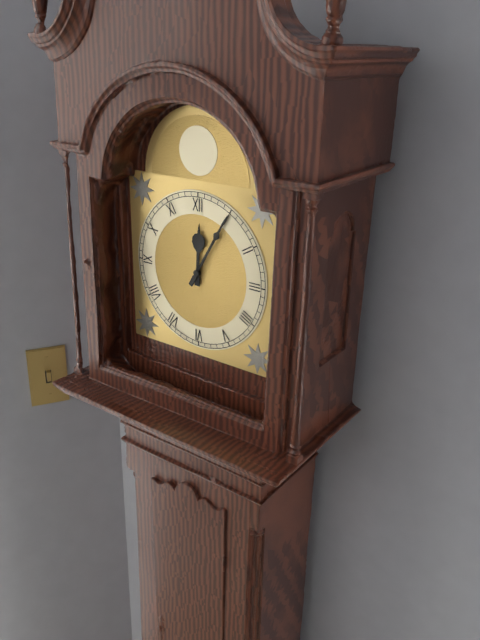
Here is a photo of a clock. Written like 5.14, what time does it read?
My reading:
12.05
